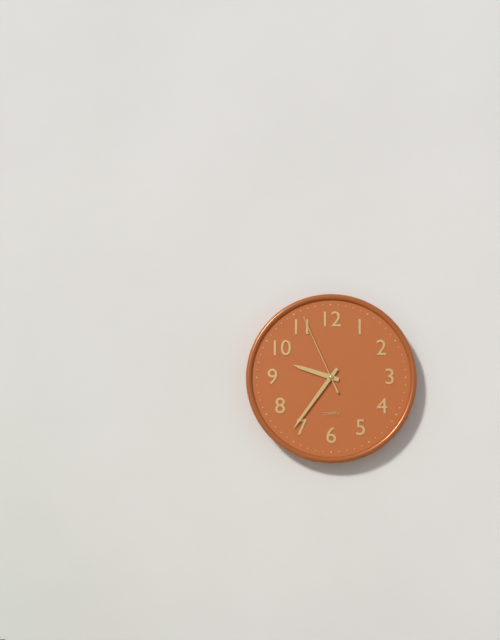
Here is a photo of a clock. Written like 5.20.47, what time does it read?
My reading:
9.36.56
